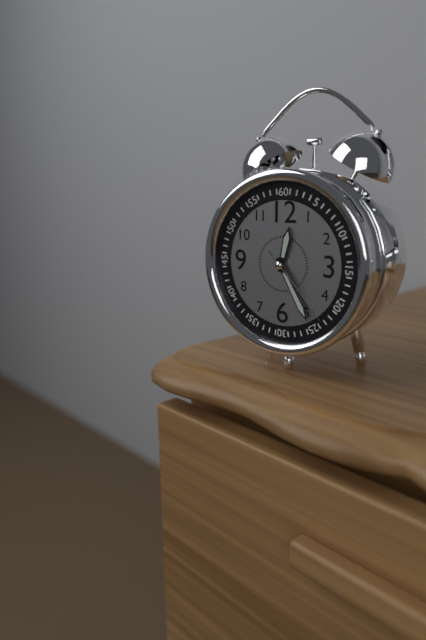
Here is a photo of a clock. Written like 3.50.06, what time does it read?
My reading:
12.25.23
